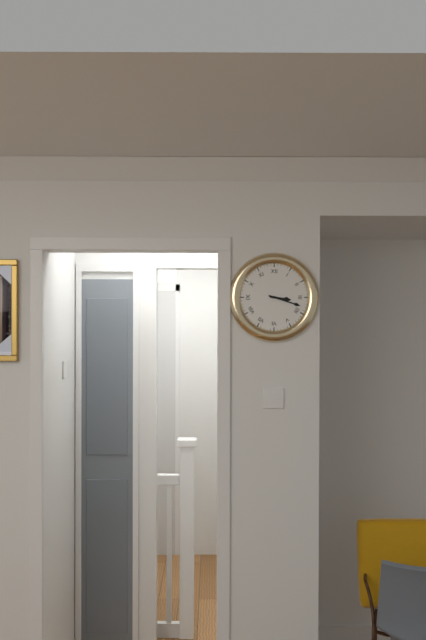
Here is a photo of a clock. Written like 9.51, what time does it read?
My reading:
3.18
